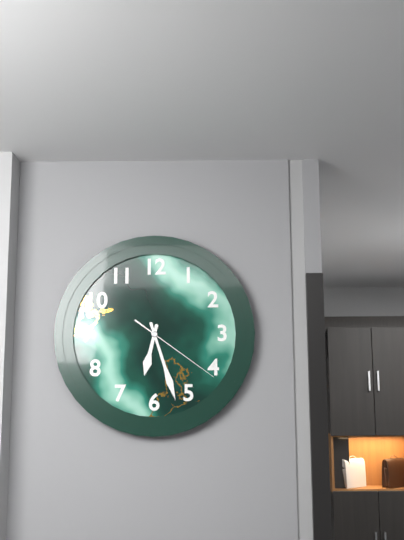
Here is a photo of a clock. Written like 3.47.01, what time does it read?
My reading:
6.27.21
